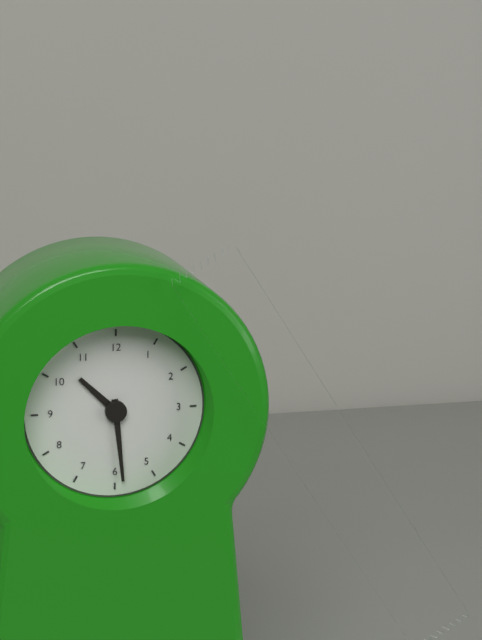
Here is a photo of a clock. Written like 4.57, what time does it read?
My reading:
10.29
